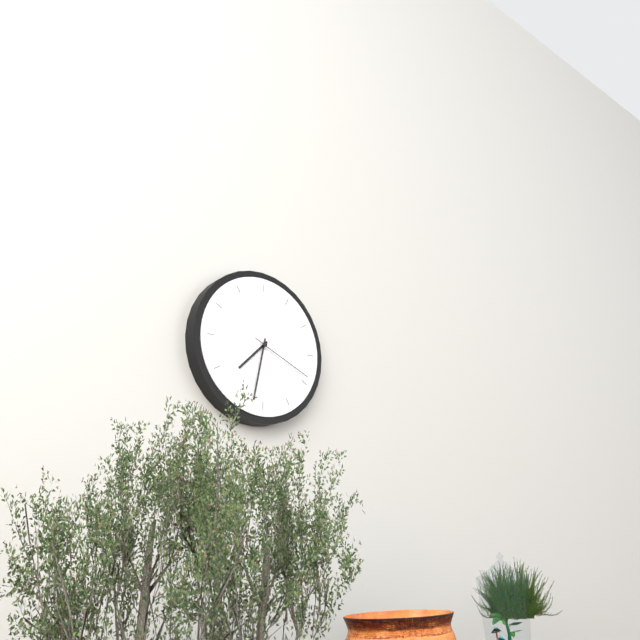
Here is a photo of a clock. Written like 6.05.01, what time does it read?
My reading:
7.32.19
